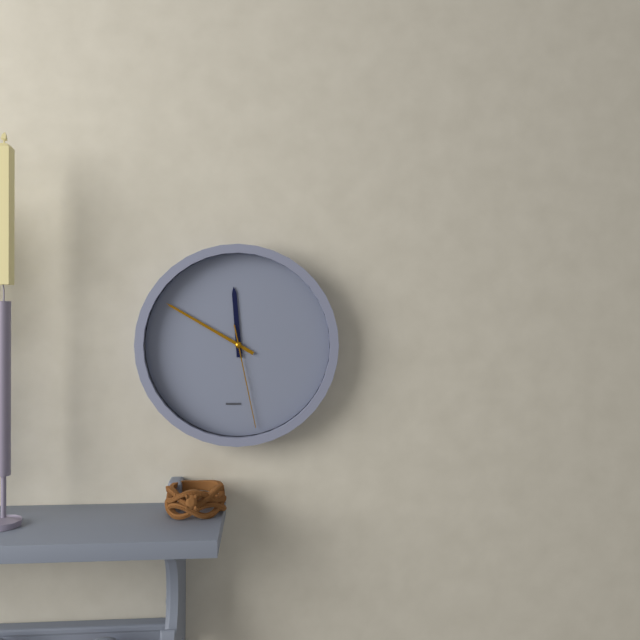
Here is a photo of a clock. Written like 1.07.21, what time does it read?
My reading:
11.50.28
